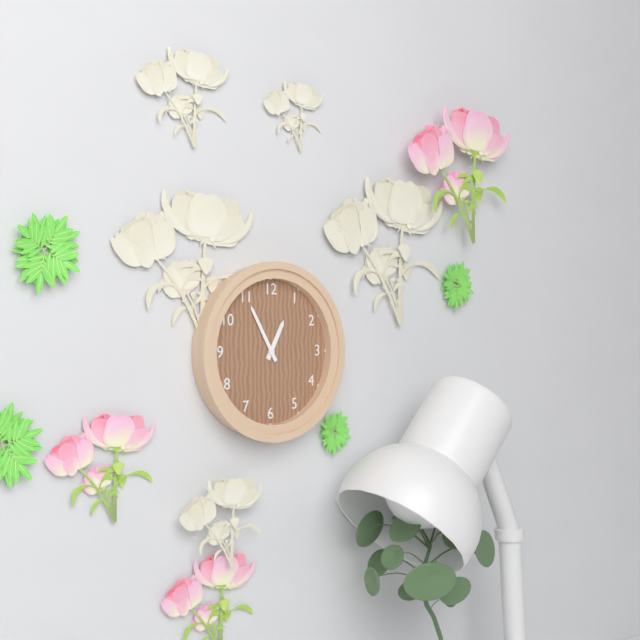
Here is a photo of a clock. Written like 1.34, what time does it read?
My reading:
12.55
